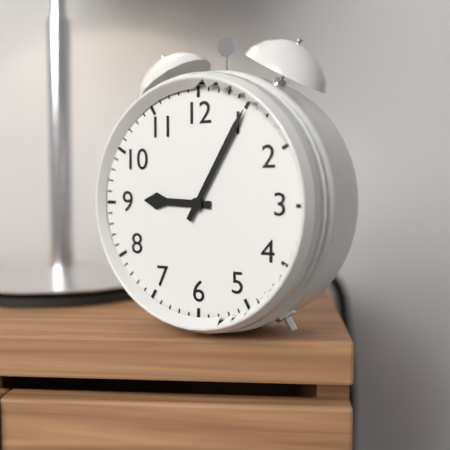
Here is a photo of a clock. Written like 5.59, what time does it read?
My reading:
9.05
